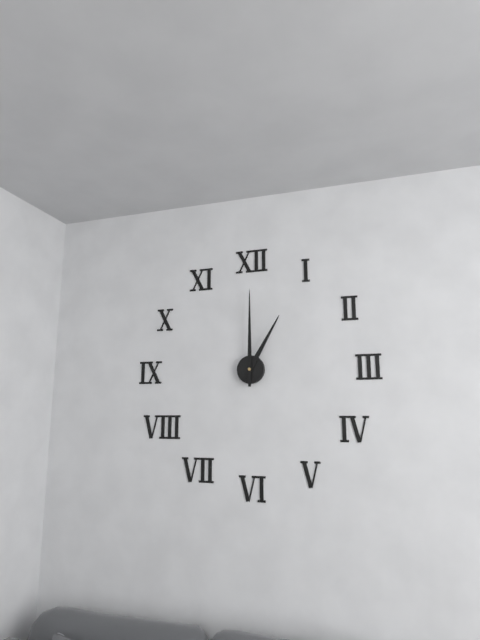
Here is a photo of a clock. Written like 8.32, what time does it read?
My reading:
1.00
